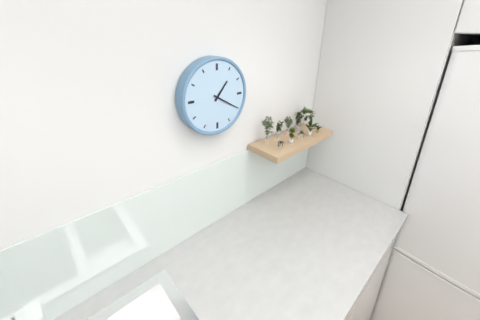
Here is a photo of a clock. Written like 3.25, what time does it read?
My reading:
1.20
